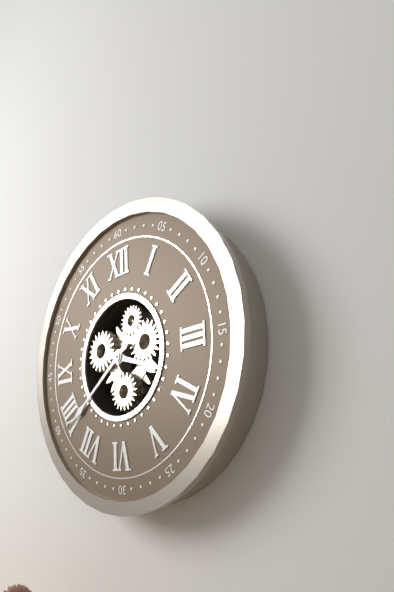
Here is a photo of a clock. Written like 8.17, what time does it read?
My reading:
3.39
